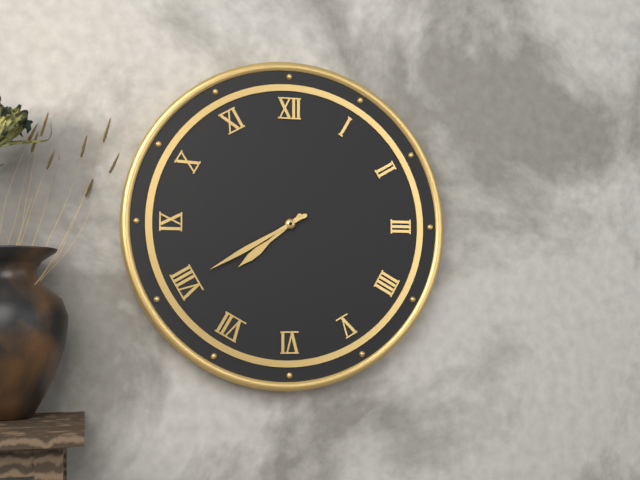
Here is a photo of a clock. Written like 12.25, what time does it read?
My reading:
7.40
